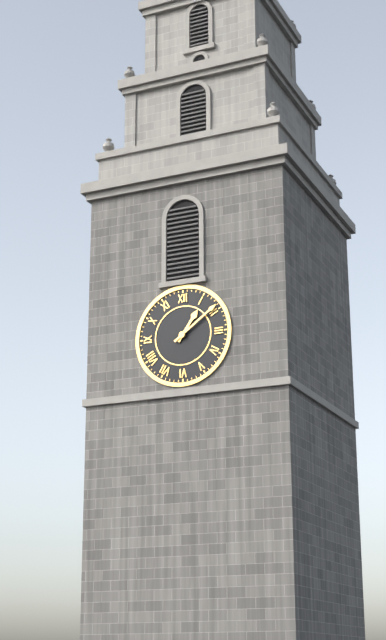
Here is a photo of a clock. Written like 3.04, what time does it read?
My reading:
1.09
